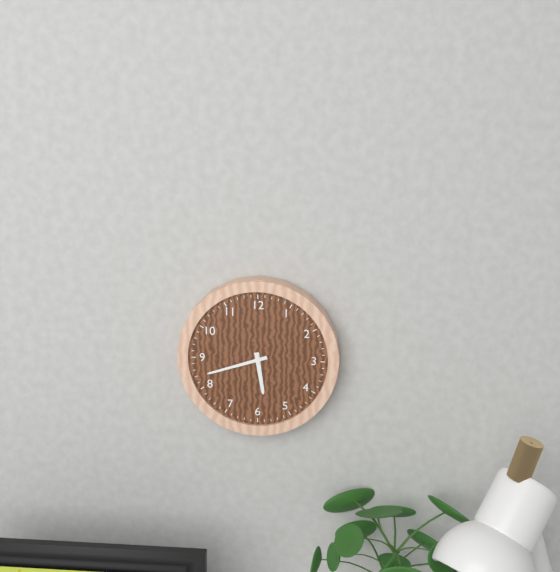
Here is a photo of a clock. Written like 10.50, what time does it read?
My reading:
5.42
